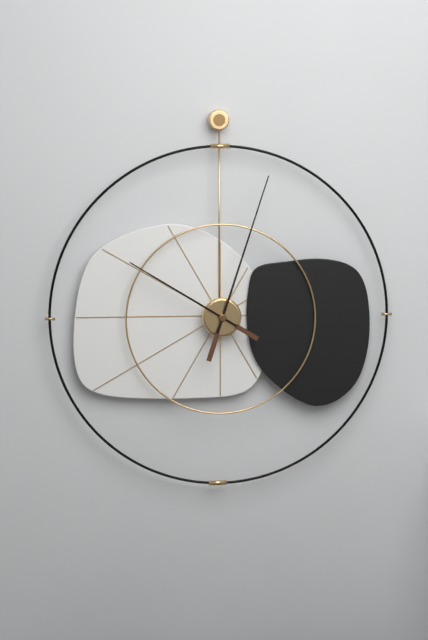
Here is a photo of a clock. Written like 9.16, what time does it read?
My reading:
10.03
